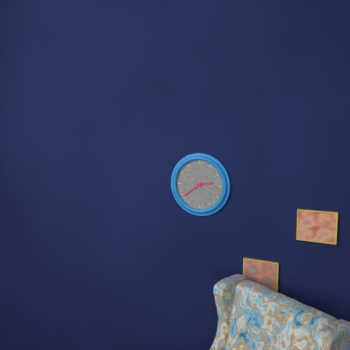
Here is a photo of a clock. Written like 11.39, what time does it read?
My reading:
2.39
